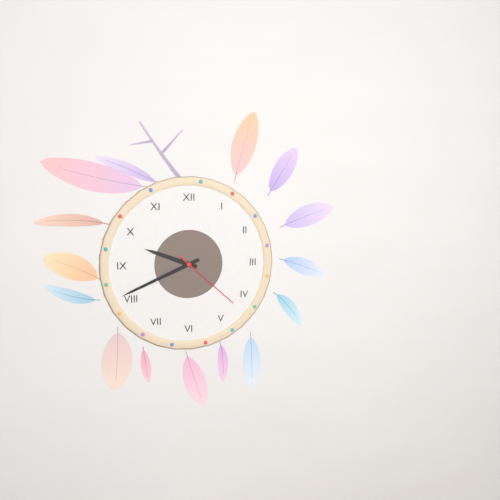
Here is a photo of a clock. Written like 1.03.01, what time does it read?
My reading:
9.41.22
